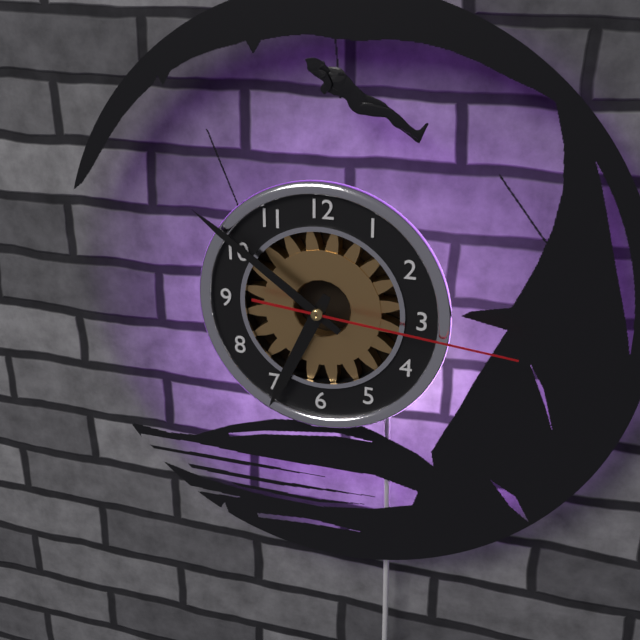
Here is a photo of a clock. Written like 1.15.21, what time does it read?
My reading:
6.51.16
